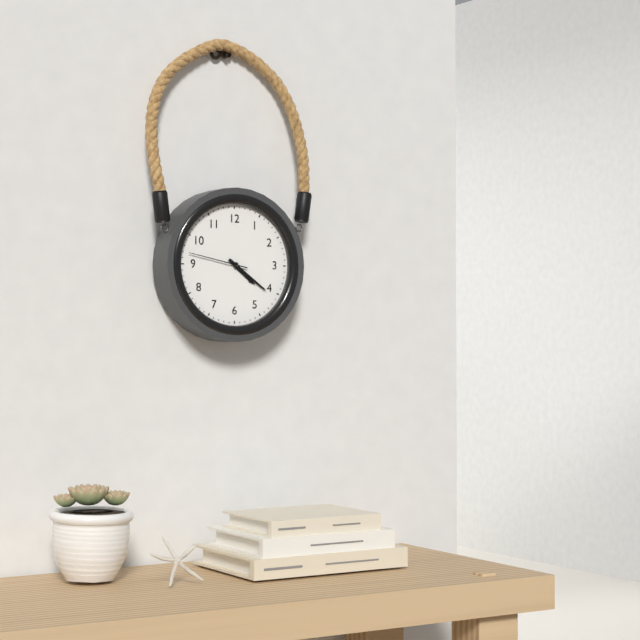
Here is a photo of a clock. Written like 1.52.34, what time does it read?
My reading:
4.21.47
